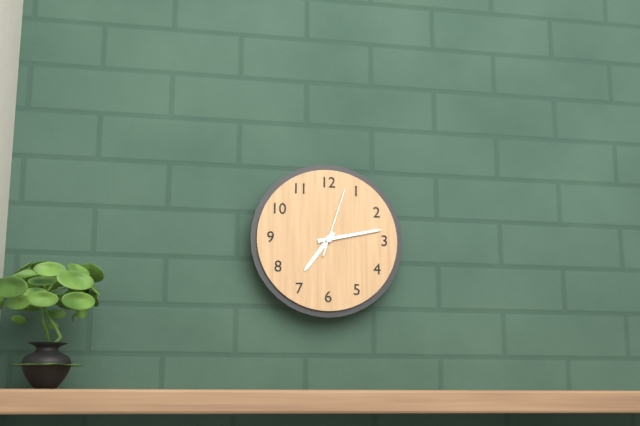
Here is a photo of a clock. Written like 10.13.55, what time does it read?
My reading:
7.13.03
